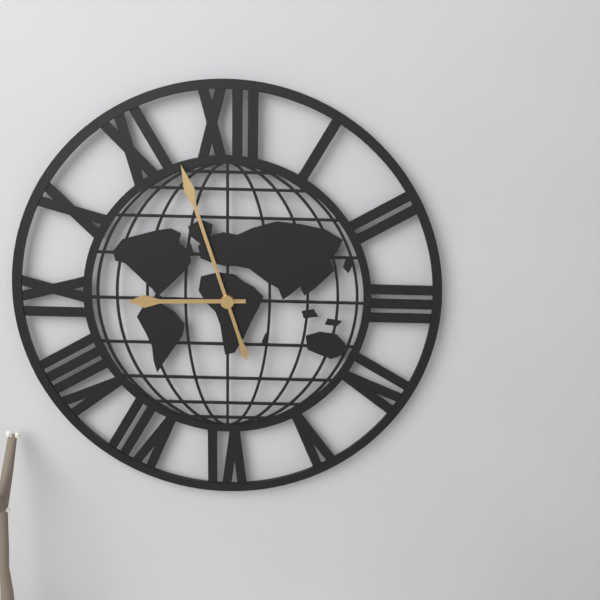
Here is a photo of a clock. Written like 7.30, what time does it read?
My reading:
8.57
